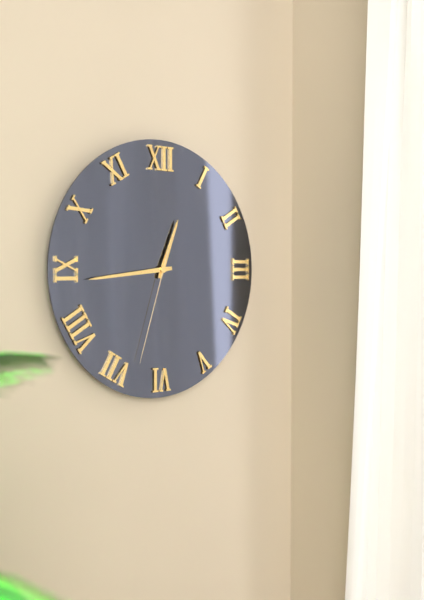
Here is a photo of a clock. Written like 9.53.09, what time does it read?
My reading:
12.44.33
